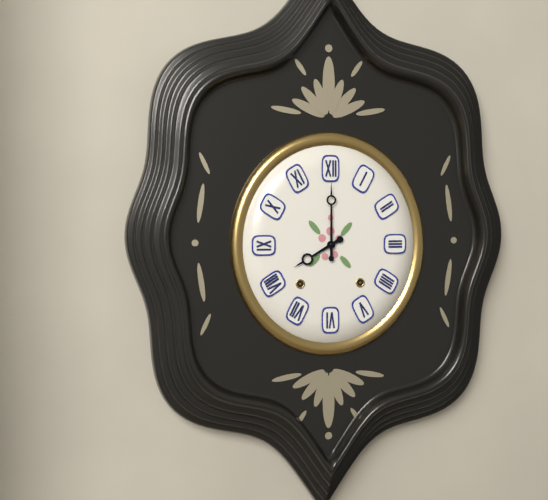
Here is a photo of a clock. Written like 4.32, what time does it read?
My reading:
8.00
